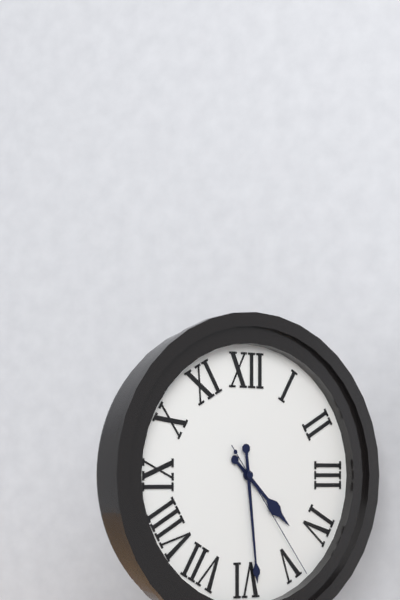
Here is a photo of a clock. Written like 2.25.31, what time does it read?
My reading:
4.29.24
